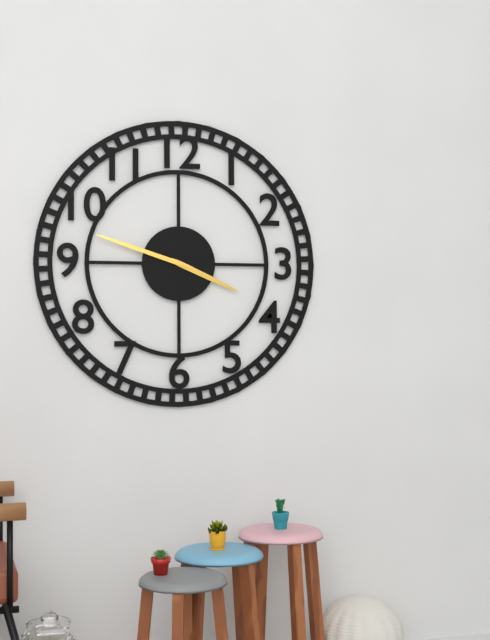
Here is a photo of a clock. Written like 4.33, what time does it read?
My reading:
3.48
